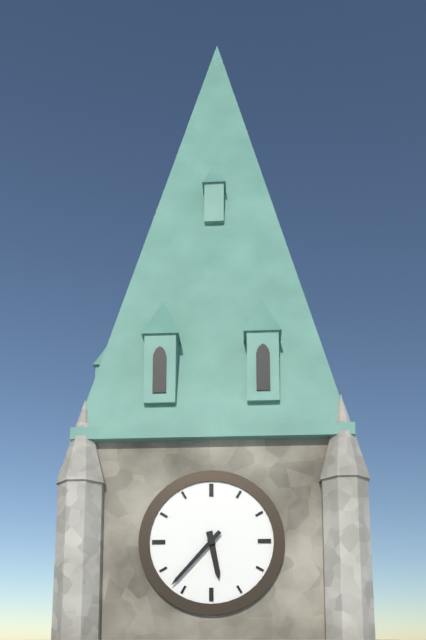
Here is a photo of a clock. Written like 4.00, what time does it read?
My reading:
5.37
